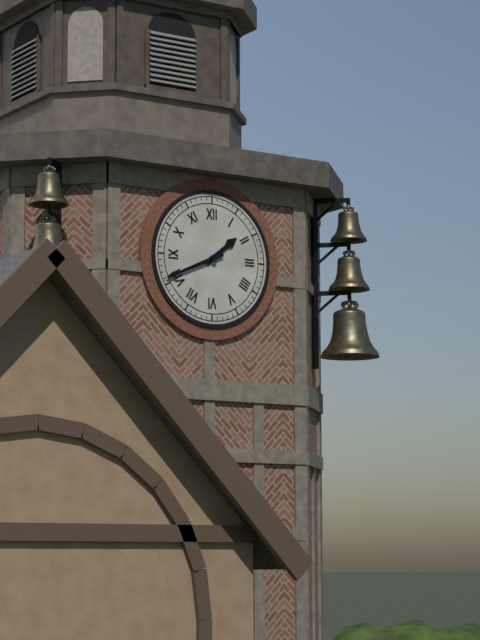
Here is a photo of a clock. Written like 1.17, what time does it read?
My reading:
1.41
